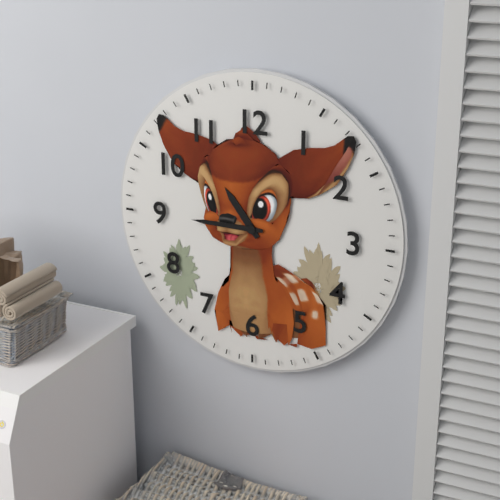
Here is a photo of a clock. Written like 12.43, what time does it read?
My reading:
10.45
